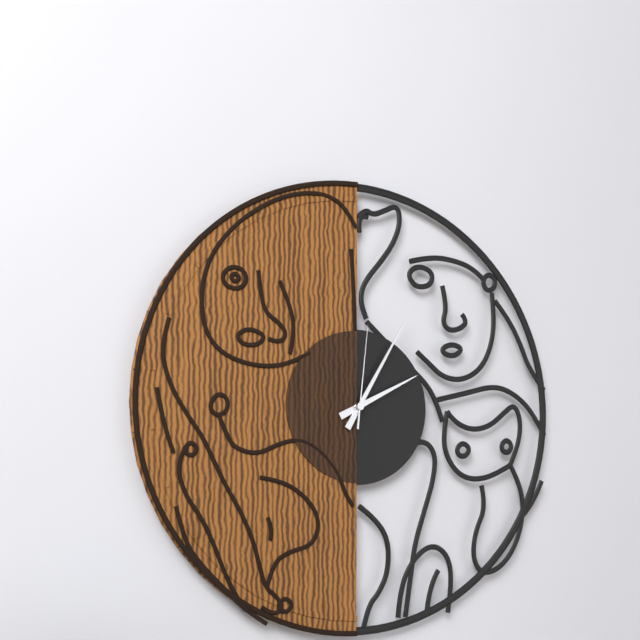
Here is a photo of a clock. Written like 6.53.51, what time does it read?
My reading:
2.05.01
